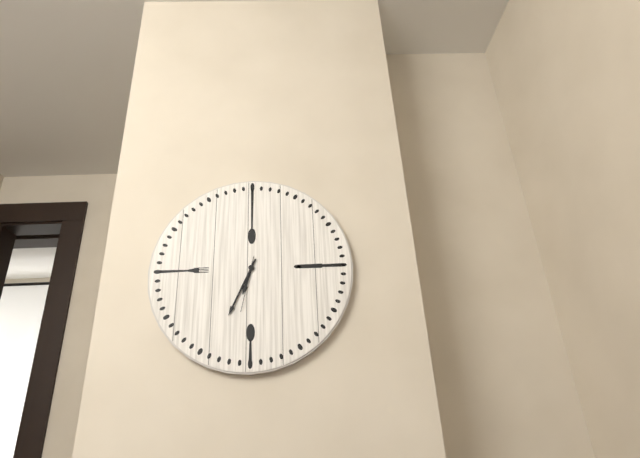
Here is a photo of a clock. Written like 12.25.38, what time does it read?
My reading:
6.34.32
